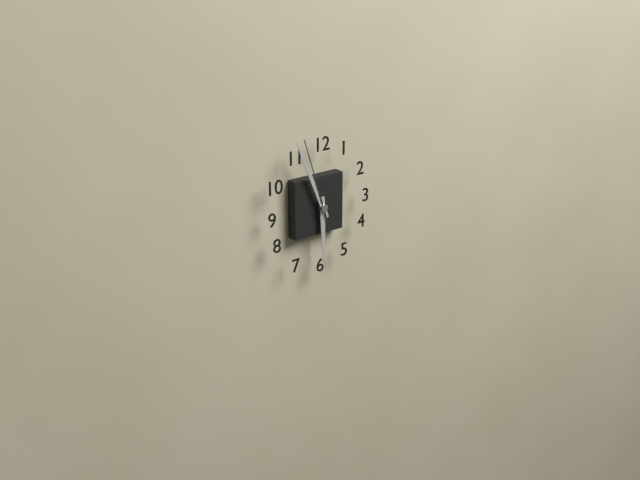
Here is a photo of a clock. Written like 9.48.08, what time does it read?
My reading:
5.56.57
